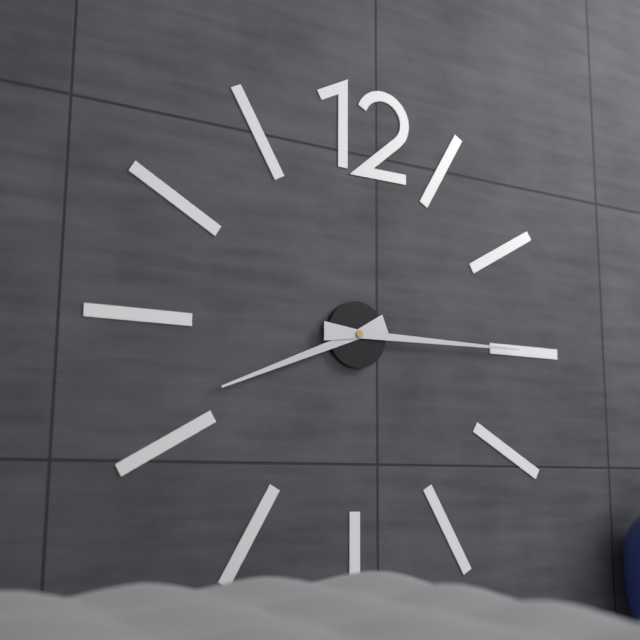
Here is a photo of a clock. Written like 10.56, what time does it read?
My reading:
8.15
